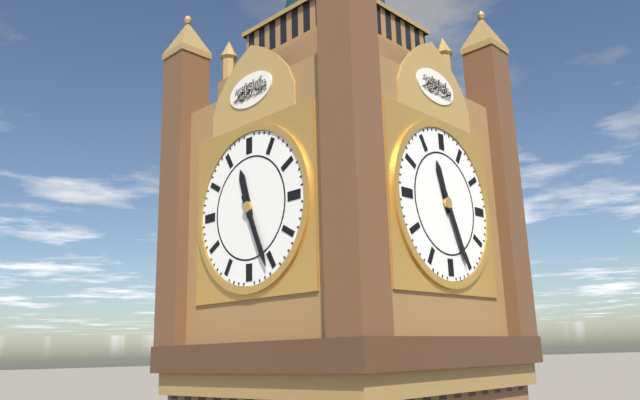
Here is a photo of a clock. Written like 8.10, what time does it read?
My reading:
11.26
